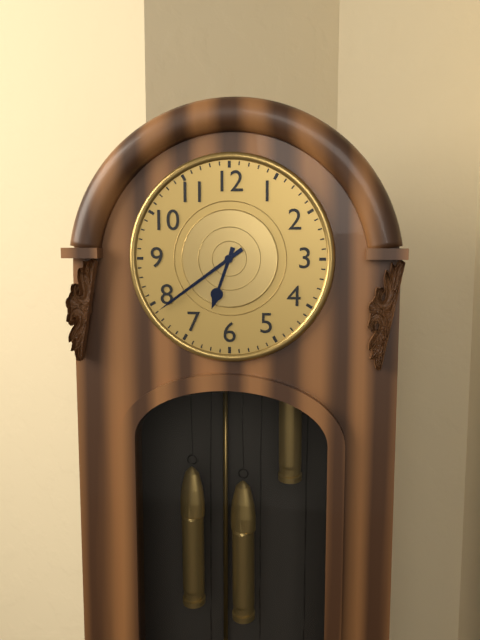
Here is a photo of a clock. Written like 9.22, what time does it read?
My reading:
6.39
